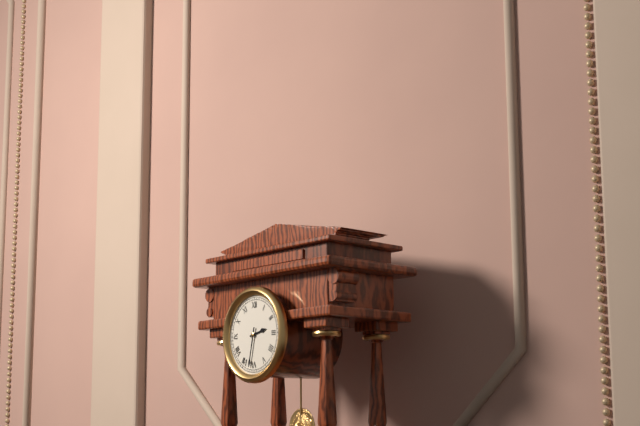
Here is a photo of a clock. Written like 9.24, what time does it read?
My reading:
2.32
